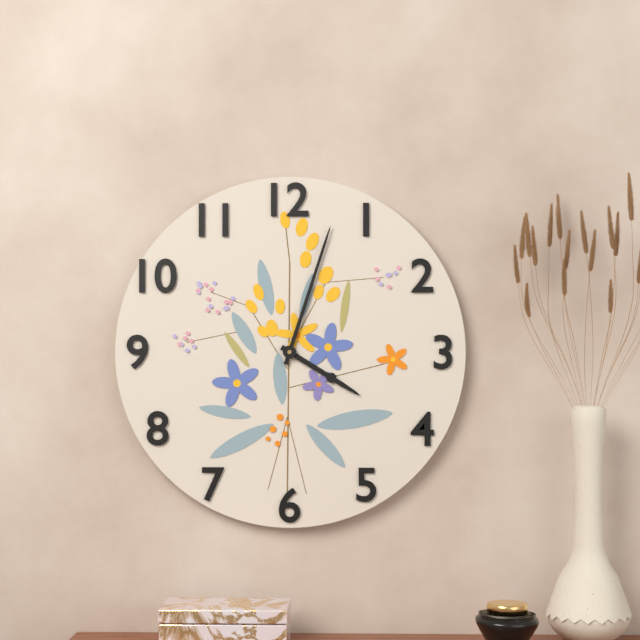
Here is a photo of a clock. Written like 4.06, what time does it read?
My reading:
4.03
